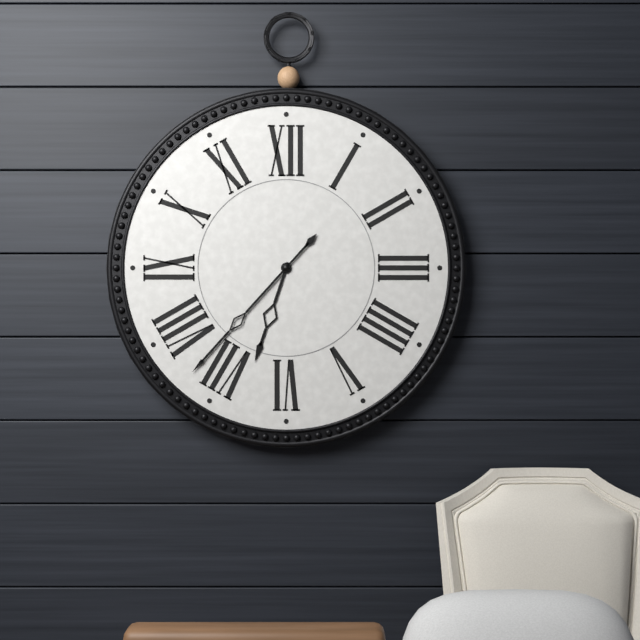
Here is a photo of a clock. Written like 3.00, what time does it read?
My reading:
6.37
